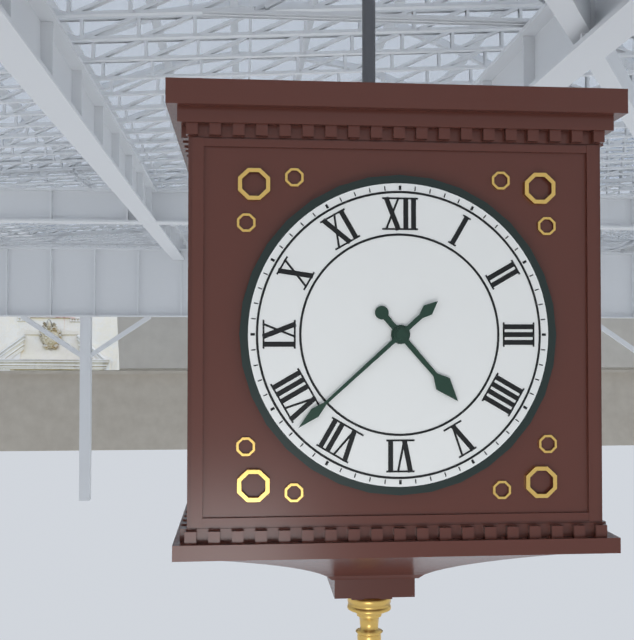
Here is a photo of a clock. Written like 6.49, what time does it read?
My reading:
4.38
